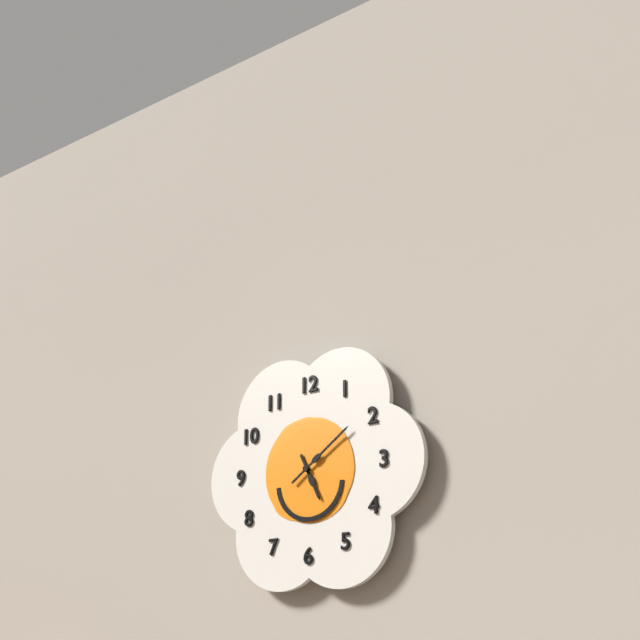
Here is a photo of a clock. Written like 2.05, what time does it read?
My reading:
5.09
